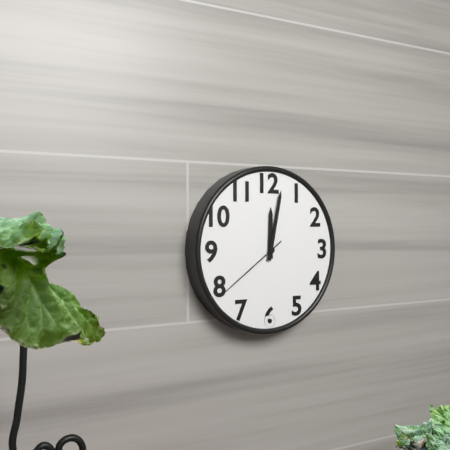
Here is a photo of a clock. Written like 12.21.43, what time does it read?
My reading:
12.02.39
